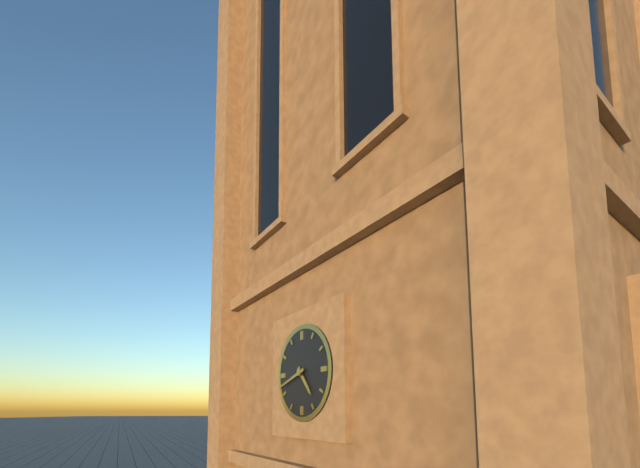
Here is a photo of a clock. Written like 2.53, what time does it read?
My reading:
4.42
